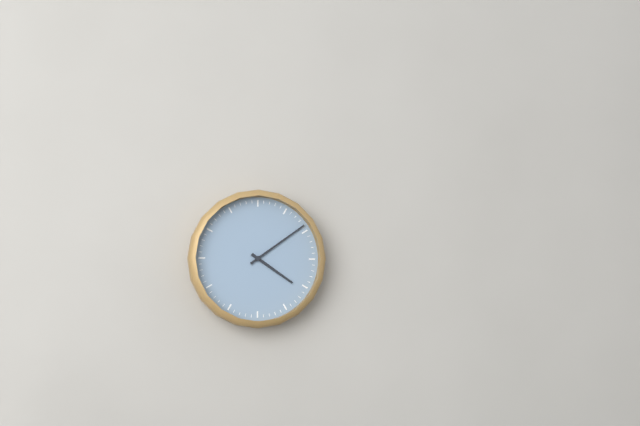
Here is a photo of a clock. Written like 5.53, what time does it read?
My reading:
4.09
